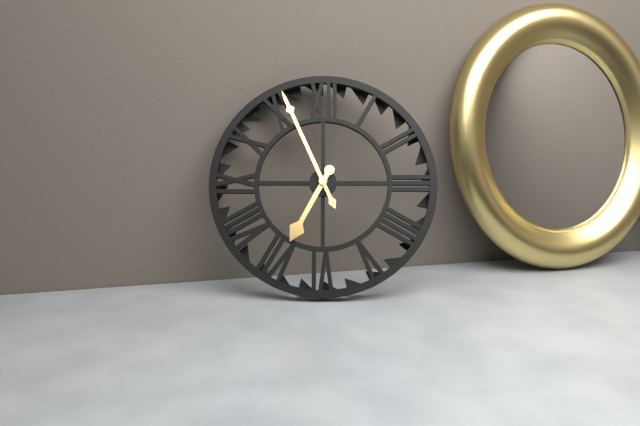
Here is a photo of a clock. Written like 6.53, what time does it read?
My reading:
6.56
